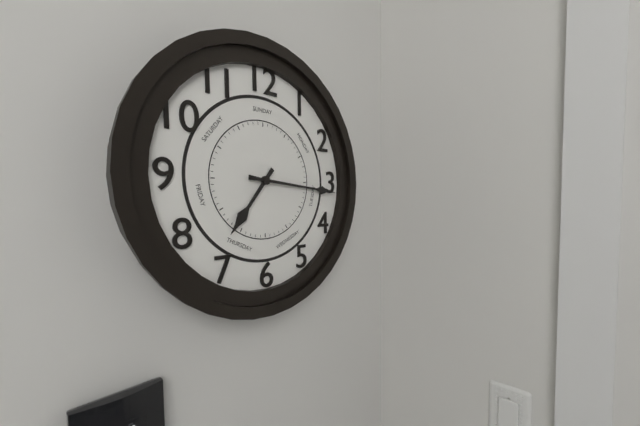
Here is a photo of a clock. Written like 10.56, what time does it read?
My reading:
7.16
